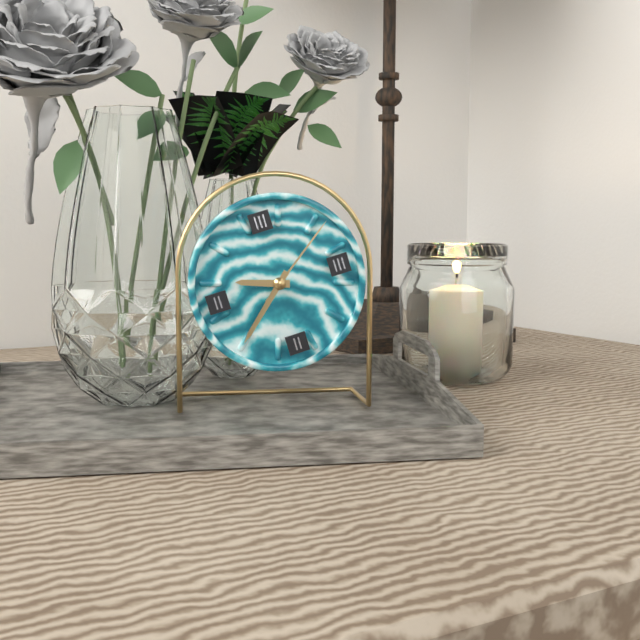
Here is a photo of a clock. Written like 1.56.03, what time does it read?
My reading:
9.38.09
